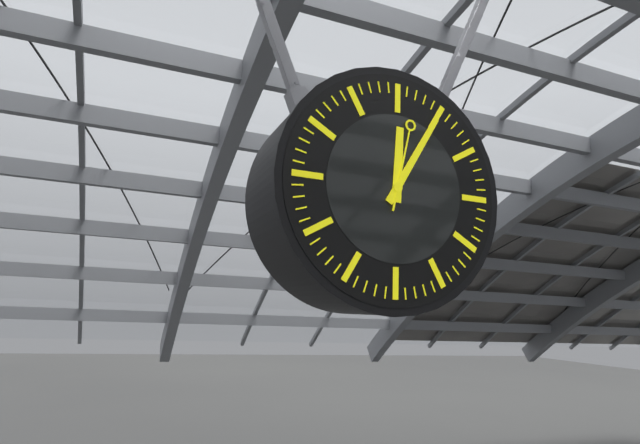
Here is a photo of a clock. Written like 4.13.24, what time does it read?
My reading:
12.05.02
